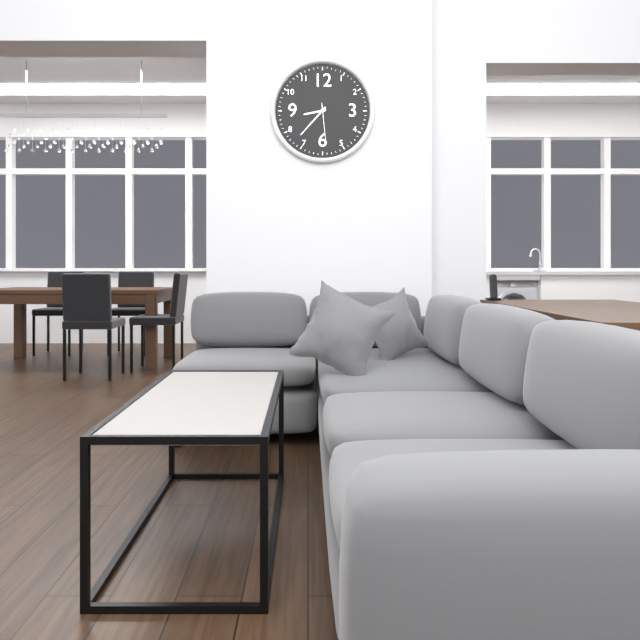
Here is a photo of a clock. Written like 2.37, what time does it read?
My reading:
8.37
